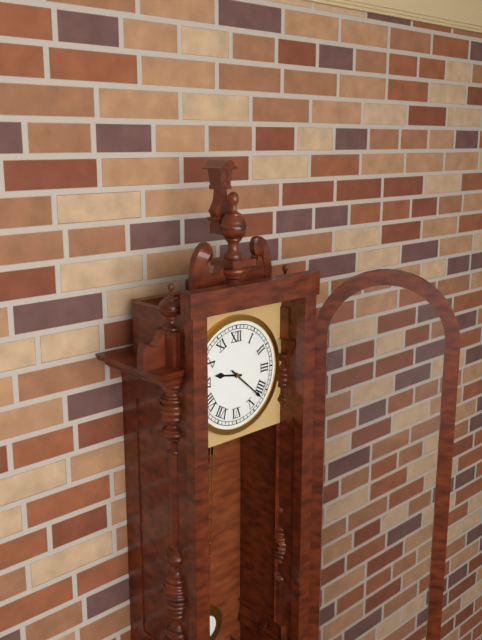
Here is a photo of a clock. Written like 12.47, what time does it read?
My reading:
9.22
